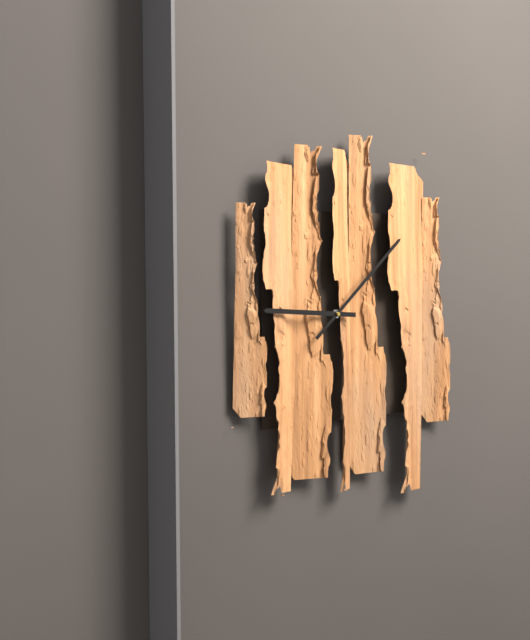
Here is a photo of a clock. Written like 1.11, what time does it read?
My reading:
9.08
